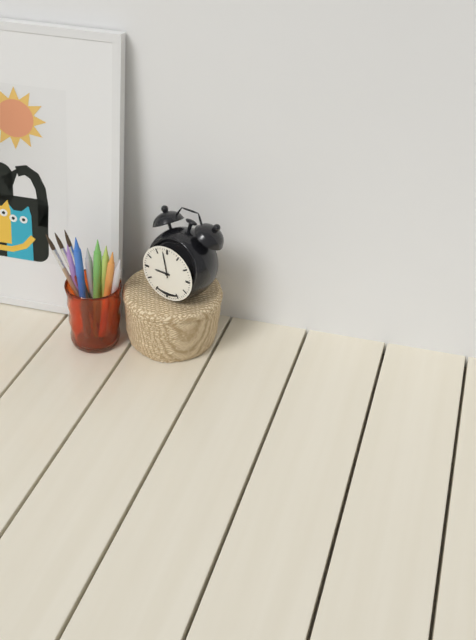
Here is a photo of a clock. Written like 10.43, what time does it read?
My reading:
8.58
